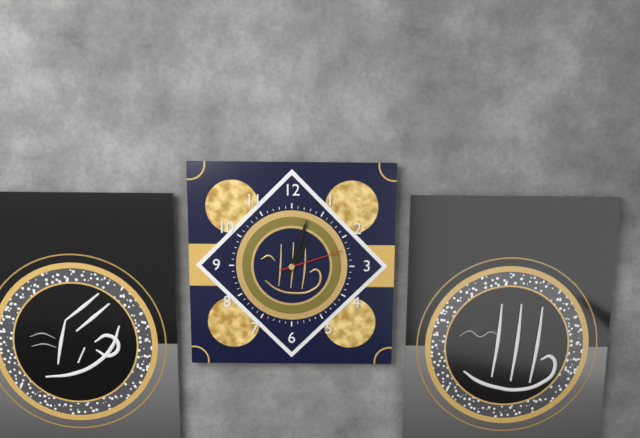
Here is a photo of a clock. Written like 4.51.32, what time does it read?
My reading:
1.03.12
